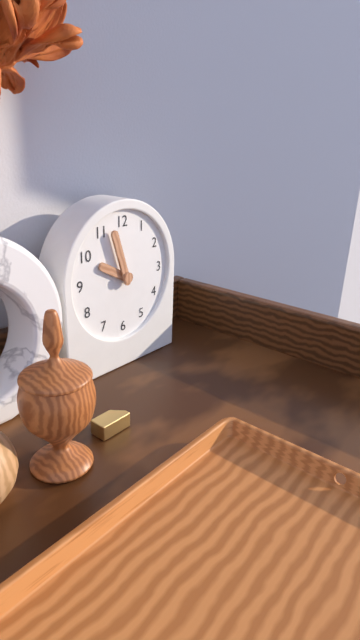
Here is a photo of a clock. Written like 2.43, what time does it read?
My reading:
9.57
